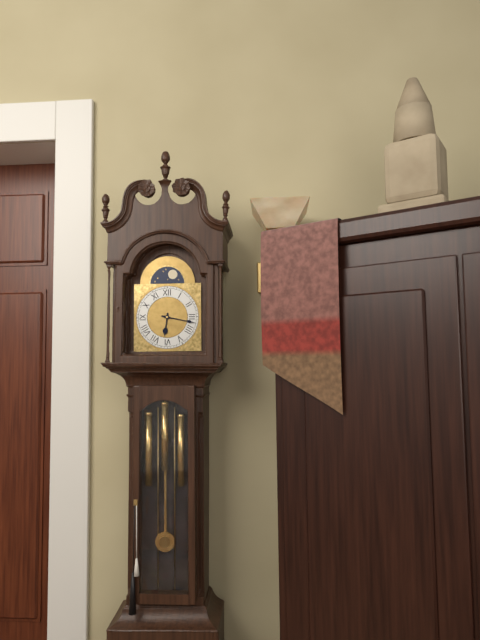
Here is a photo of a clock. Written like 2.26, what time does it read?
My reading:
6.17
